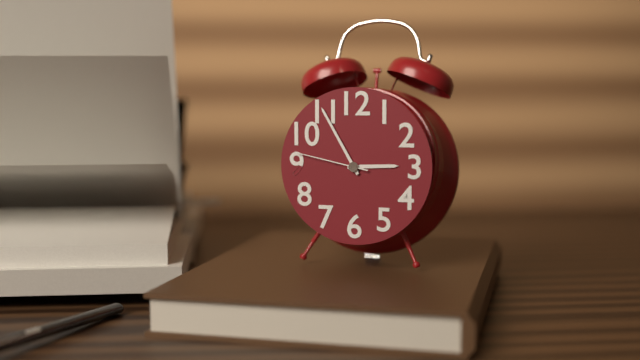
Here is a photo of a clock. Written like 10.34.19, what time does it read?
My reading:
2.55.47
